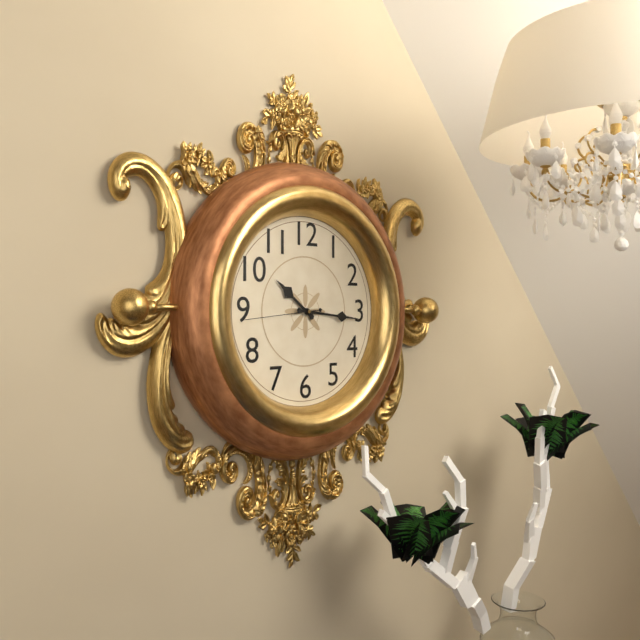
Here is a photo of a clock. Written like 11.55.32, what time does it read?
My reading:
10.16.44
